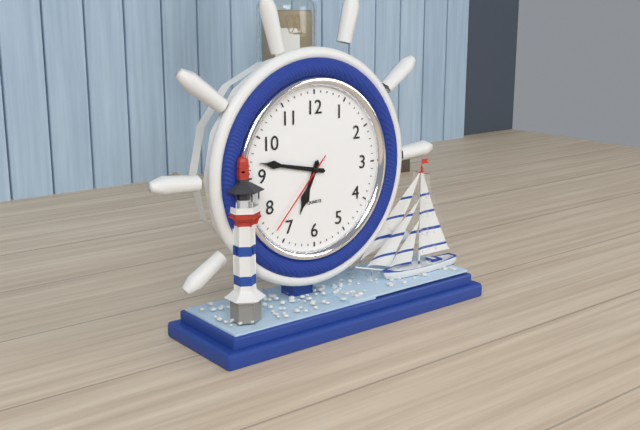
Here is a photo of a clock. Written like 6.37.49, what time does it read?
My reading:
6.47.37
